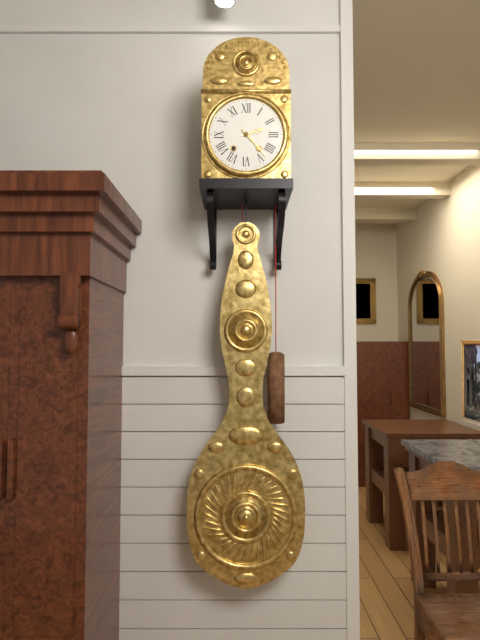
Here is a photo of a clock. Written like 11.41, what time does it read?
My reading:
2.23
